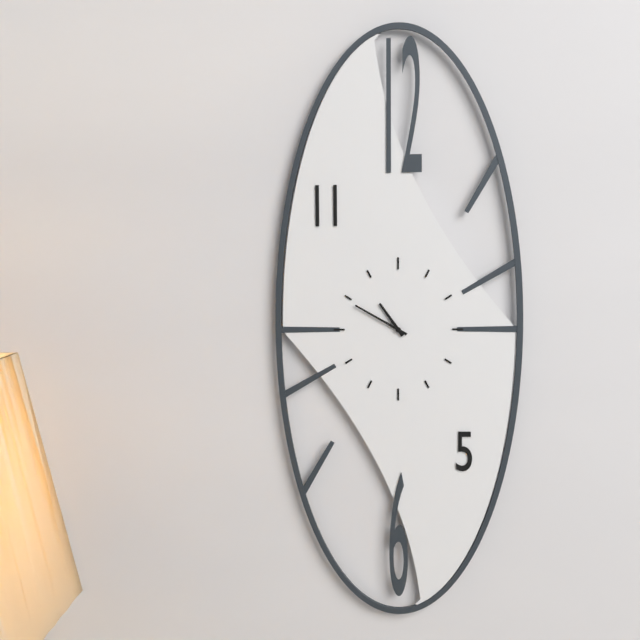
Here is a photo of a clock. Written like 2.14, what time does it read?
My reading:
10.50
